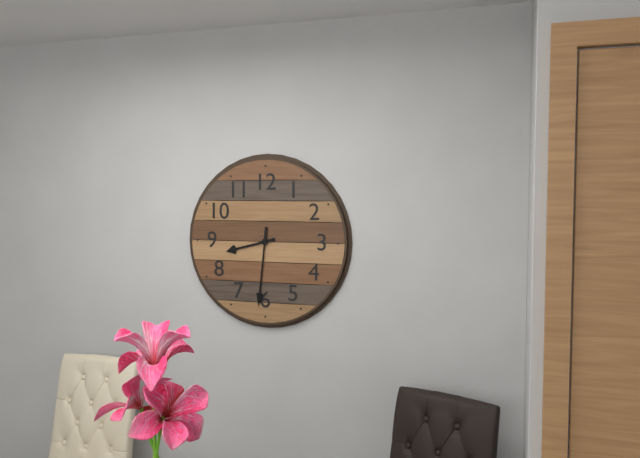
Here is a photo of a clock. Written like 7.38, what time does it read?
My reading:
8.31
